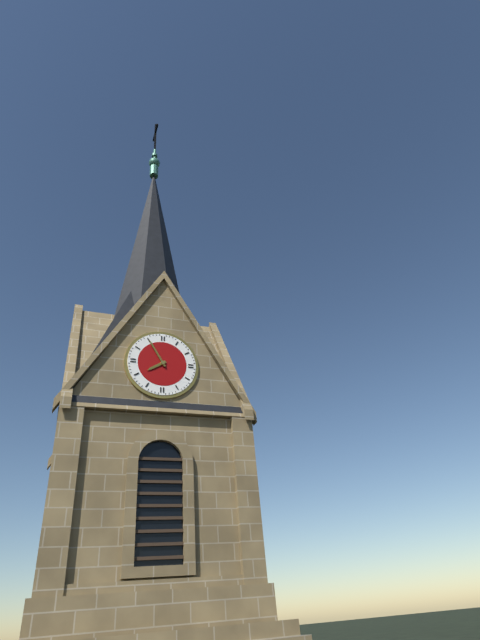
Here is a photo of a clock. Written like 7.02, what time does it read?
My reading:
7.55
